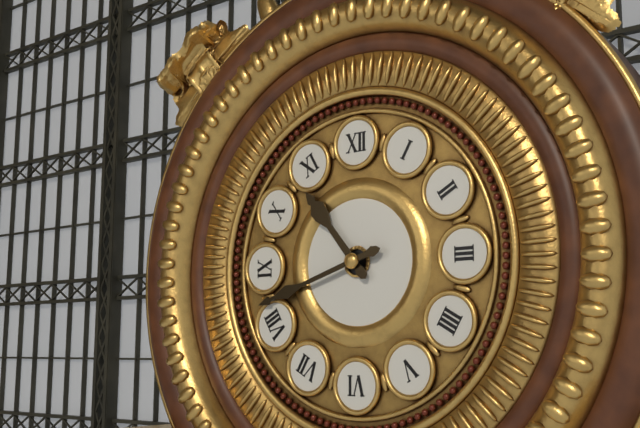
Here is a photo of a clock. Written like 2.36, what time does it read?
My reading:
10.42
